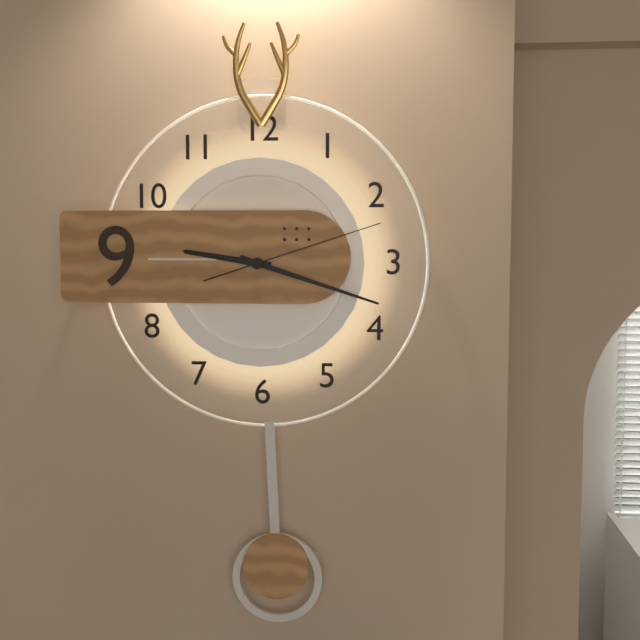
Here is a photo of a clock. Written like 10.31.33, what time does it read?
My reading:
9.18.12
